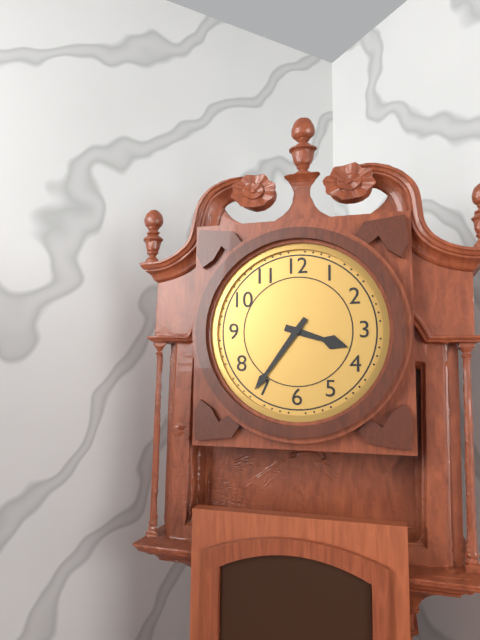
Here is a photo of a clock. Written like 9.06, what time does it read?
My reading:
3.36
